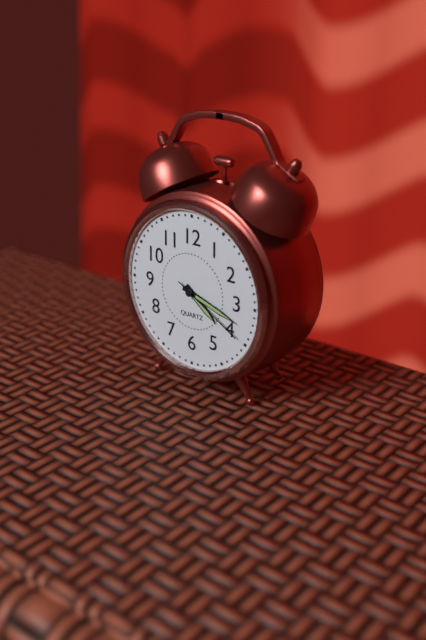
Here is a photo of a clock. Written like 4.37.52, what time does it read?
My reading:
4.18.20
